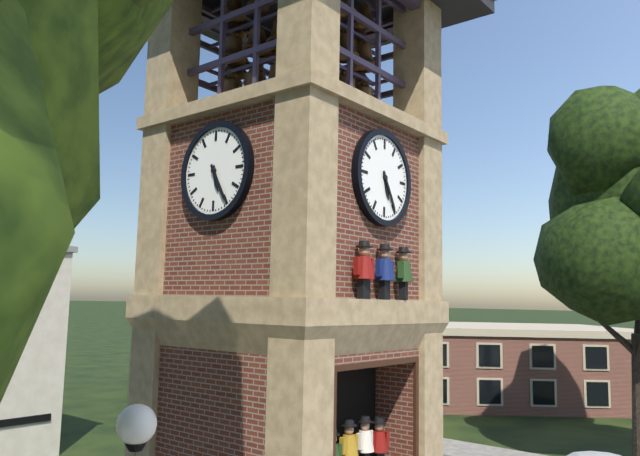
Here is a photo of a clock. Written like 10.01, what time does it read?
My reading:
5.25
